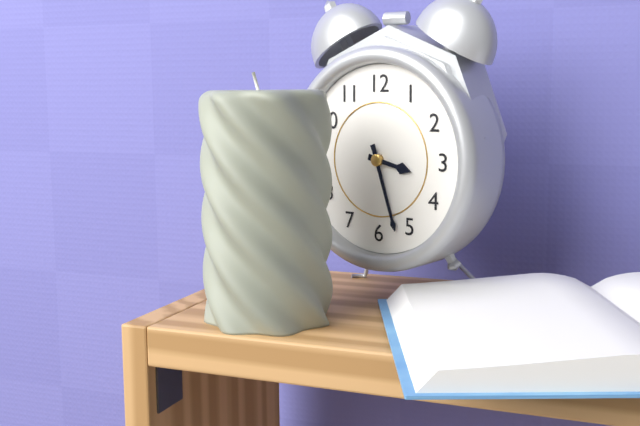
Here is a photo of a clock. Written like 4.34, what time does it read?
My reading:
3.27
